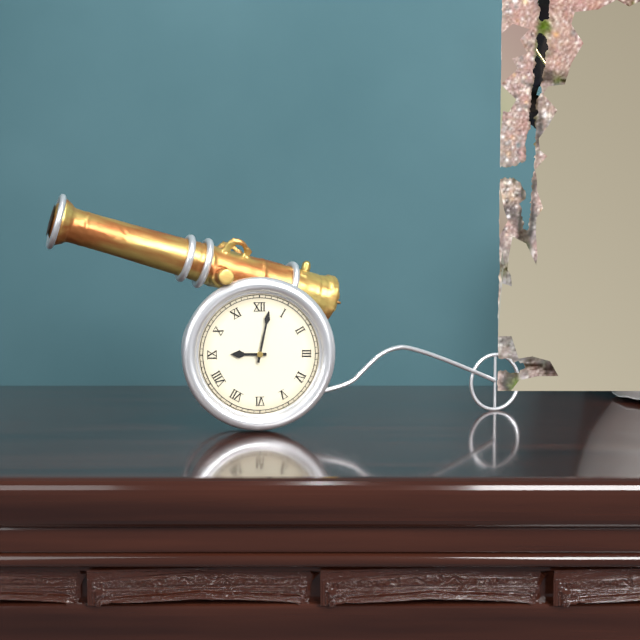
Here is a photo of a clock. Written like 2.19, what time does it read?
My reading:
9.02
